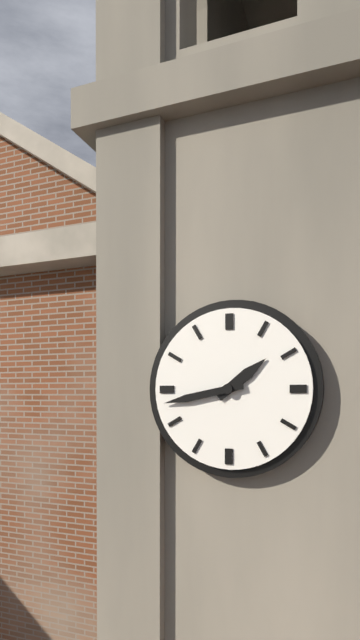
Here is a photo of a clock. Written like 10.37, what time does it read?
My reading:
1.43
